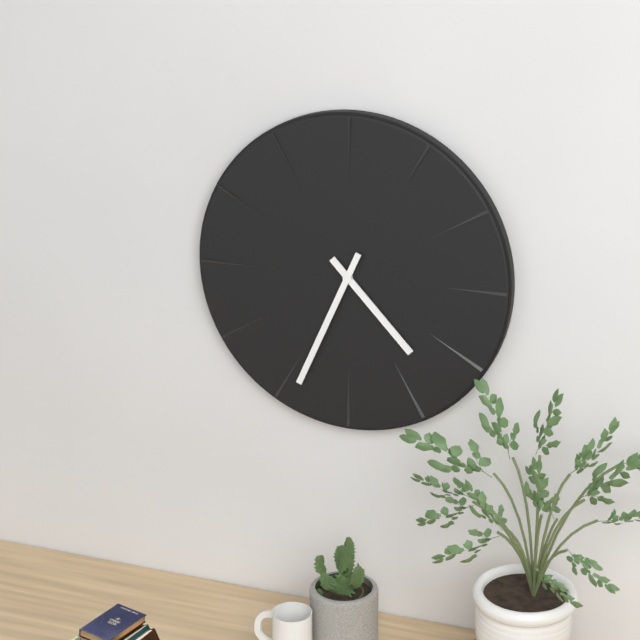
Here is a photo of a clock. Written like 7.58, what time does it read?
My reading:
4.34
